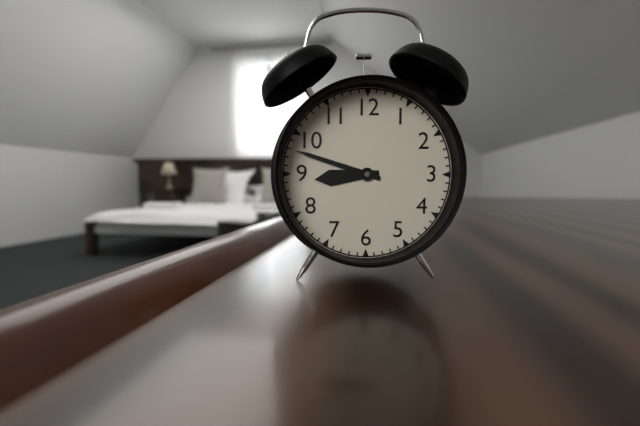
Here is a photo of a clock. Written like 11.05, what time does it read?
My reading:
8.48
